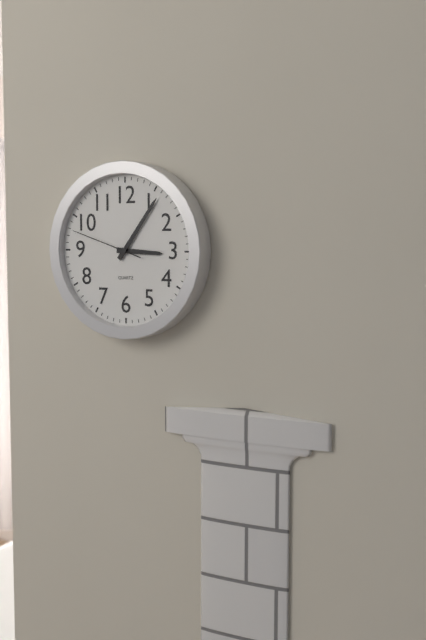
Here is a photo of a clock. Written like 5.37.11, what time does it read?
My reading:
3.06.48
